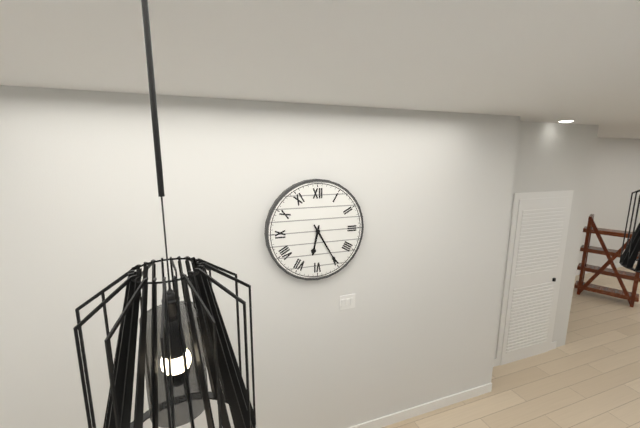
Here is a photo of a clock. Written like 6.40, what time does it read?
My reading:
6.25
